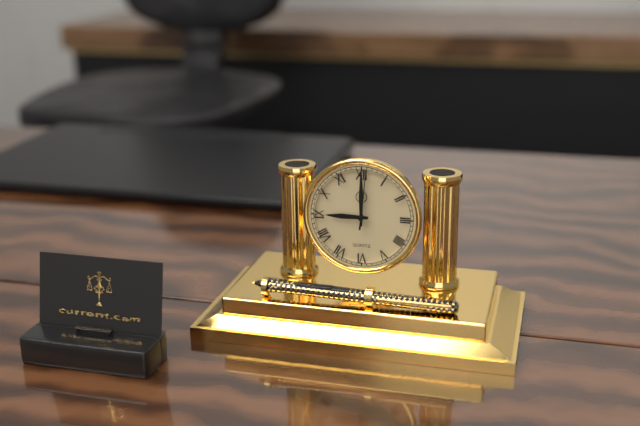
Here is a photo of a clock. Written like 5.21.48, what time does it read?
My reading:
9.00.01
